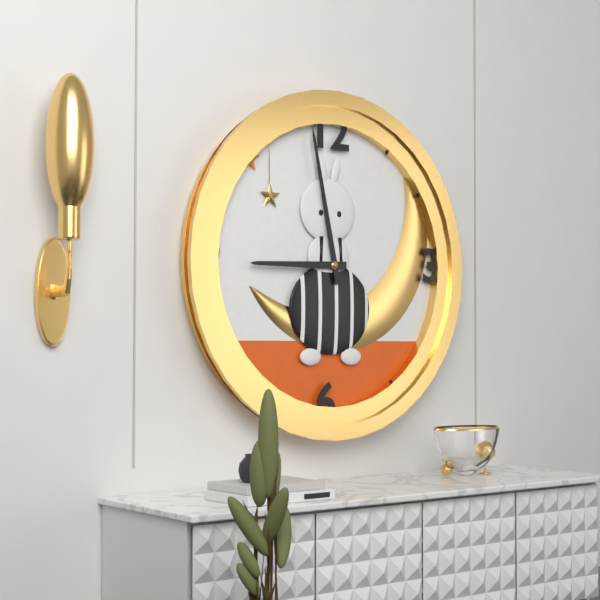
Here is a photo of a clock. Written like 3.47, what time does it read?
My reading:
8.58
